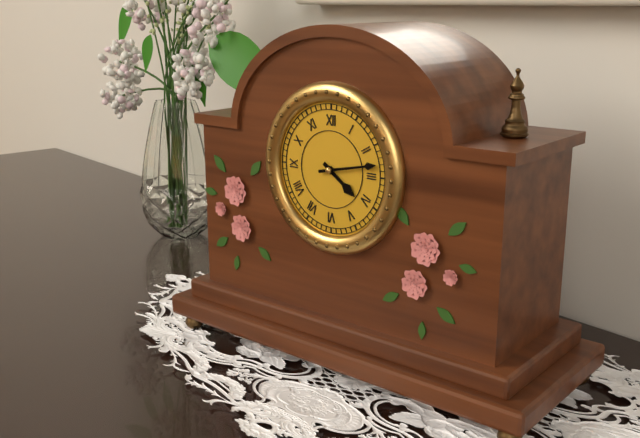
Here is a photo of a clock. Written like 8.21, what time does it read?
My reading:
4.13
